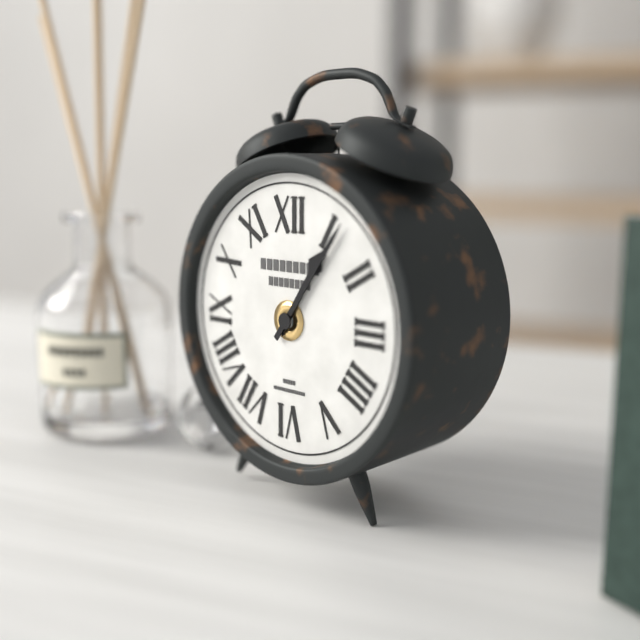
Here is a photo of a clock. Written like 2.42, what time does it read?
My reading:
1.06
